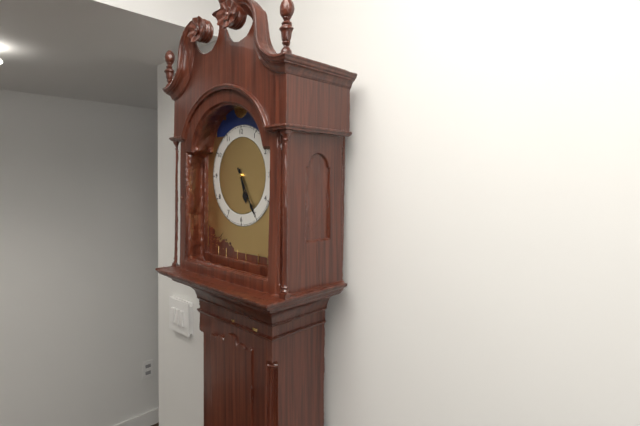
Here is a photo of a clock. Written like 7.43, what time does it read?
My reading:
5.25
